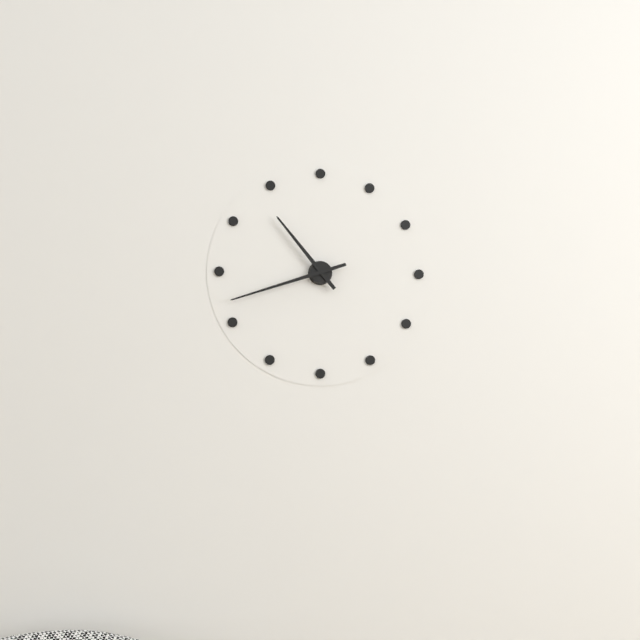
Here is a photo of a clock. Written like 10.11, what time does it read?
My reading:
10.42
